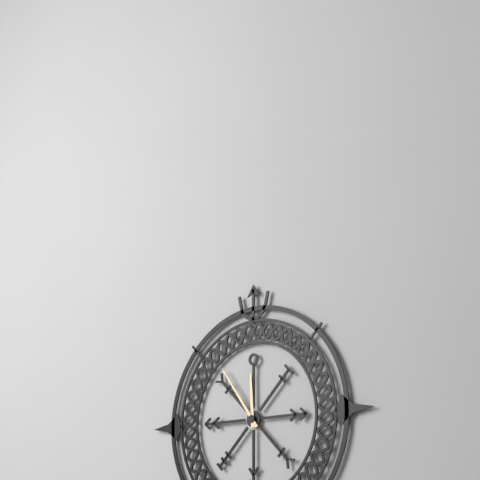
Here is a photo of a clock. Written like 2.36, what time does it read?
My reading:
11.54
